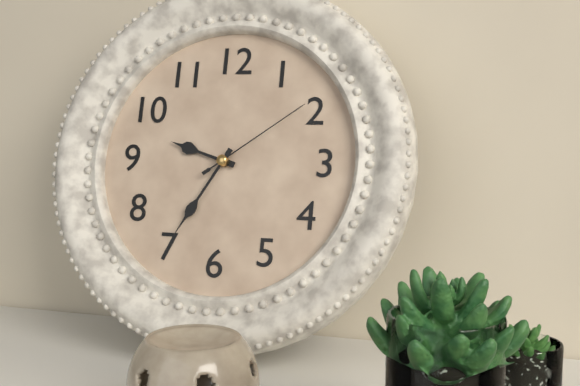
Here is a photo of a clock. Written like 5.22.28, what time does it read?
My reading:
9.35.09
